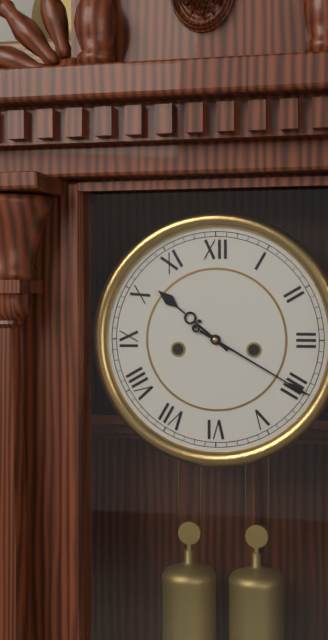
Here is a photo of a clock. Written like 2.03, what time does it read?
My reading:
10.20
